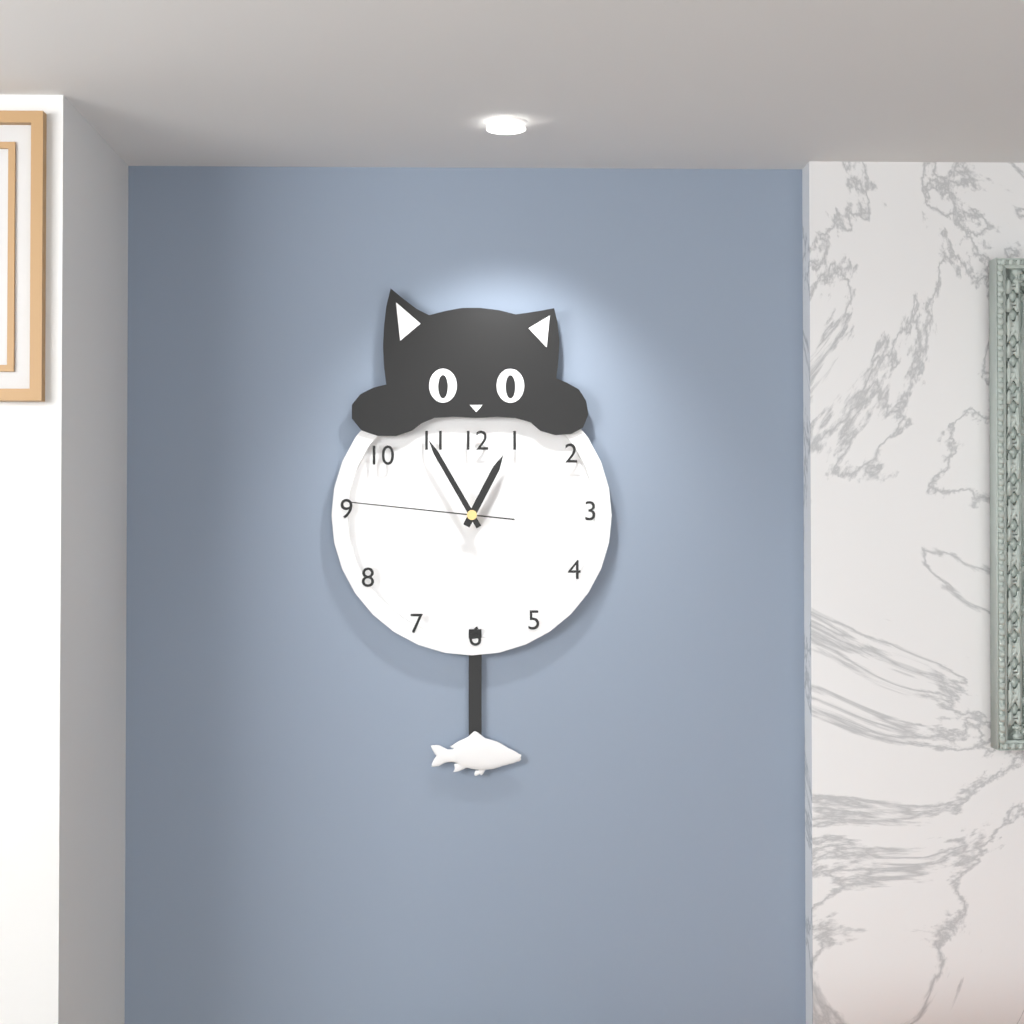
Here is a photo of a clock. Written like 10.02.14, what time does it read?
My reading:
12.55.46
